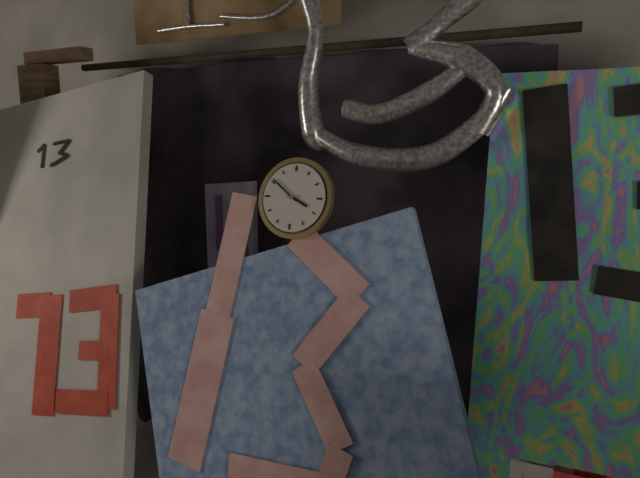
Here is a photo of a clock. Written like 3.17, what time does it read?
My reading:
3.51
